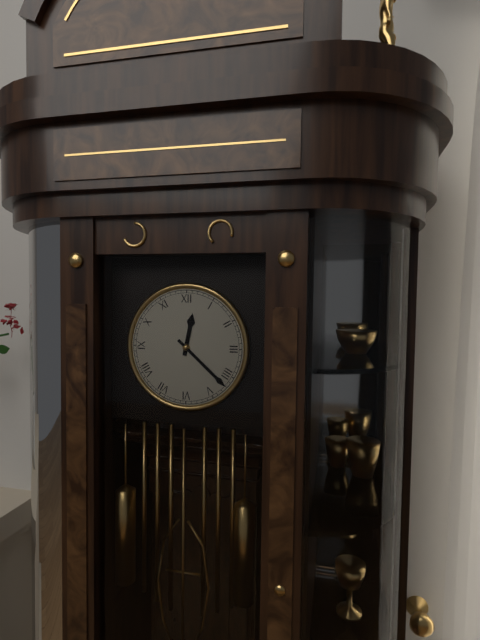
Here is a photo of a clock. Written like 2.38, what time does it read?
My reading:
12.22
